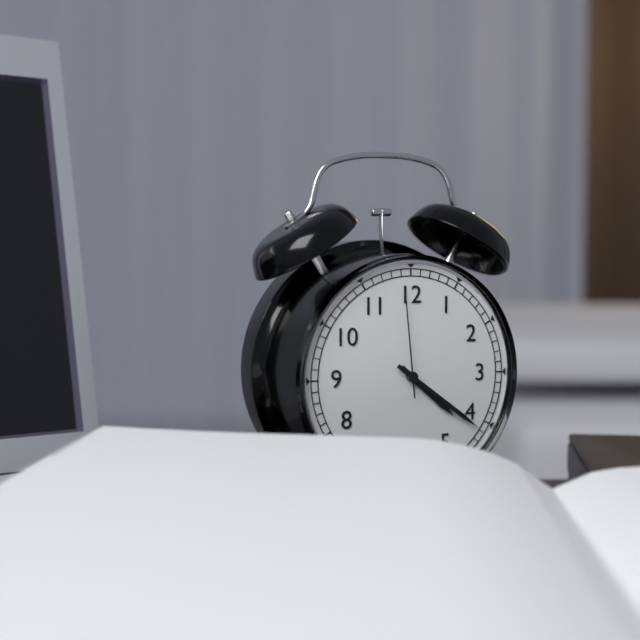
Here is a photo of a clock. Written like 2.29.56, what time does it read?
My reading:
4.21.59
